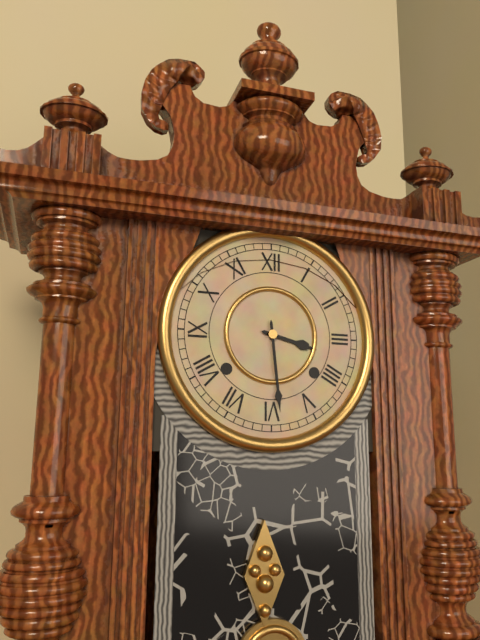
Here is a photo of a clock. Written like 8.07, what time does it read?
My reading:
3.29
